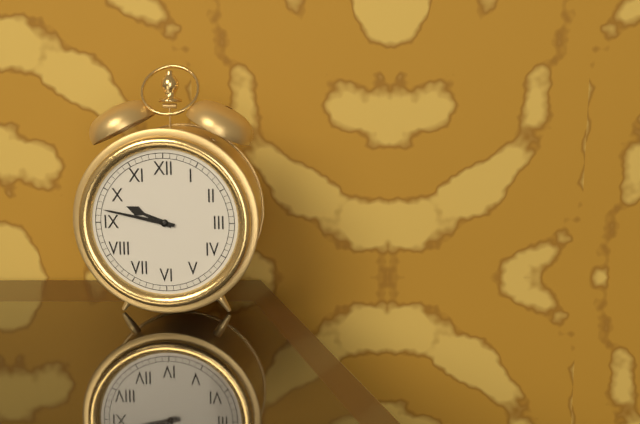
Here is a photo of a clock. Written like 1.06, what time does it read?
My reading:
9.47
